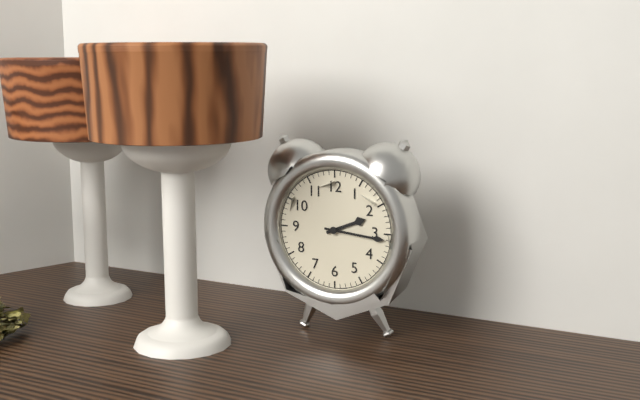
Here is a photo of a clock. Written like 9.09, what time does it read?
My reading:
2.16
